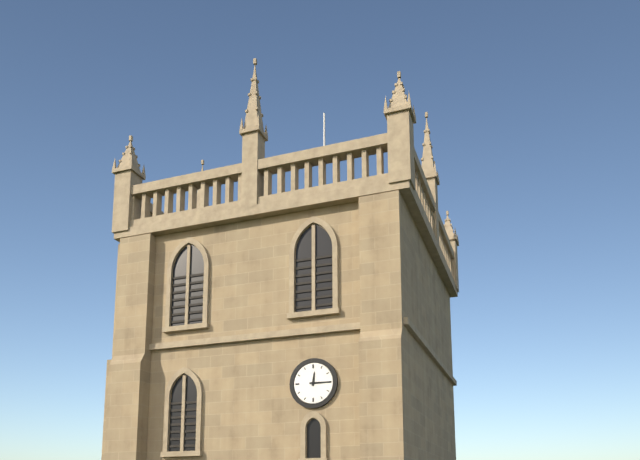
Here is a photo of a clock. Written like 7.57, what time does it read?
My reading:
12.15
